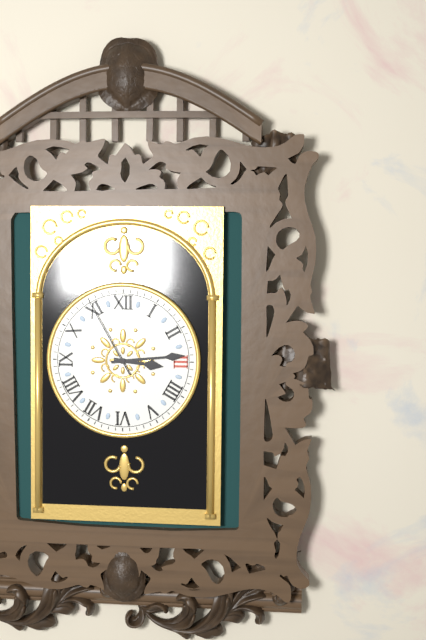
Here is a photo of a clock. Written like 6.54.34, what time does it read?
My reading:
3.14.55
